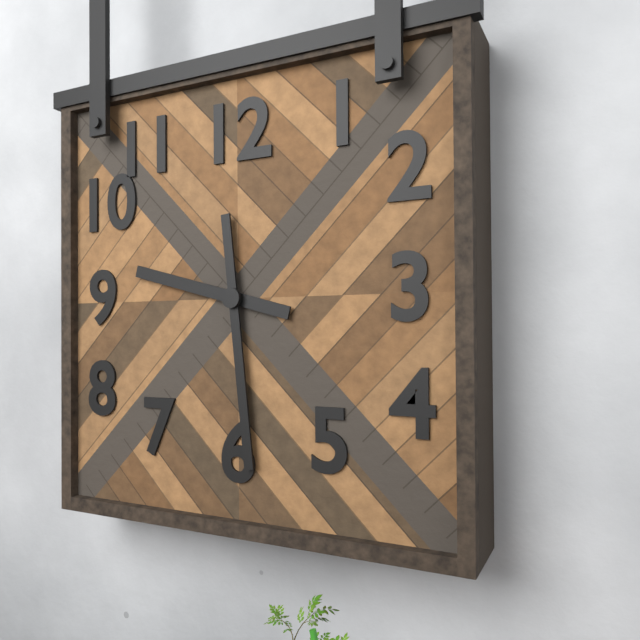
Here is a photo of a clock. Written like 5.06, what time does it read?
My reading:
9.29
